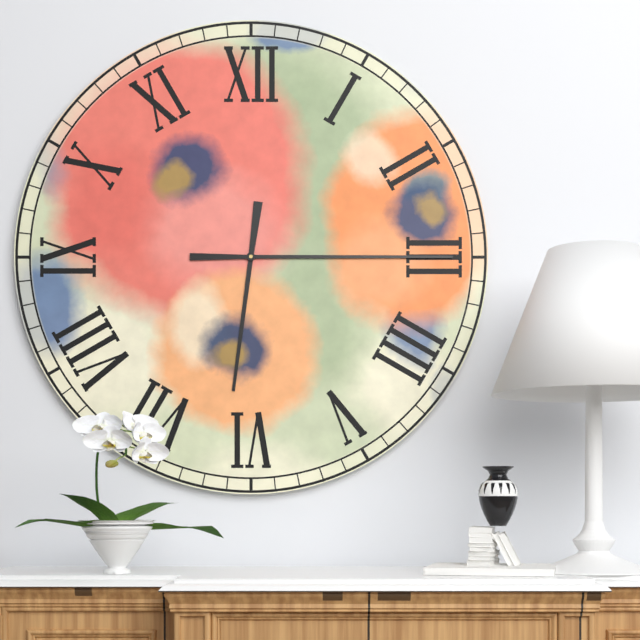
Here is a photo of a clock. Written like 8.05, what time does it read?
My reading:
6.15
